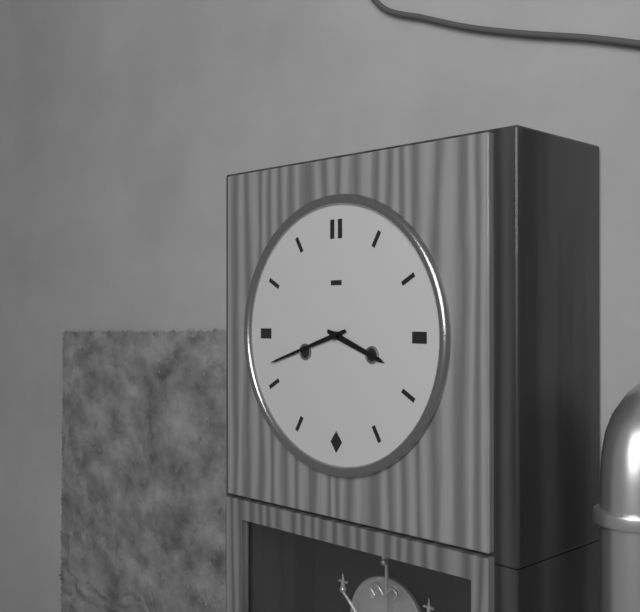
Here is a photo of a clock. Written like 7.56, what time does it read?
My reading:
3.42
